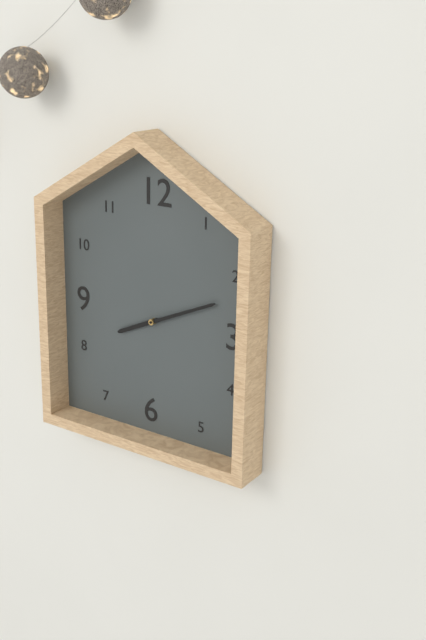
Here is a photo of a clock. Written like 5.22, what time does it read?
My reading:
8.11
